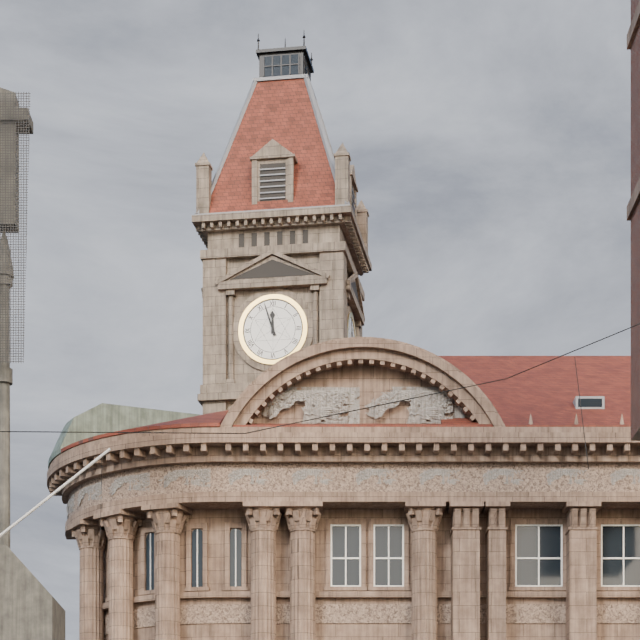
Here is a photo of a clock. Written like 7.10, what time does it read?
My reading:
11.57
